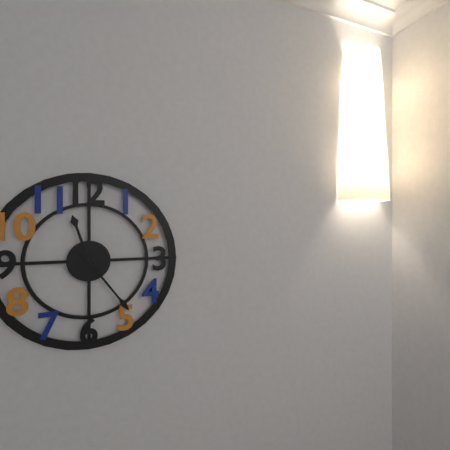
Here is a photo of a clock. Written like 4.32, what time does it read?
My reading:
11.24
